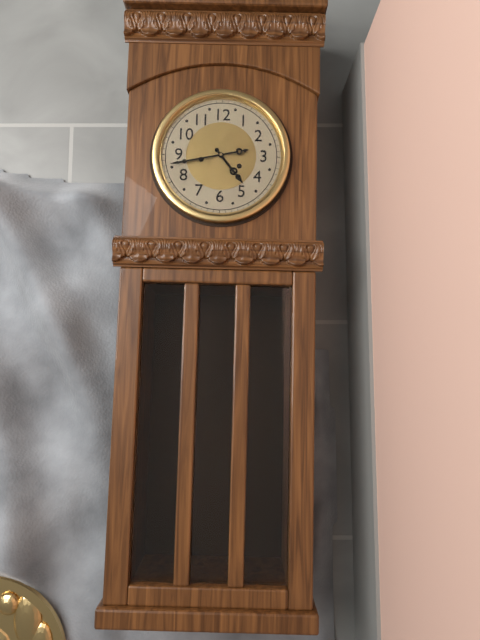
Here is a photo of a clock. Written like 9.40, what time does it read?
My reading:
4.43
